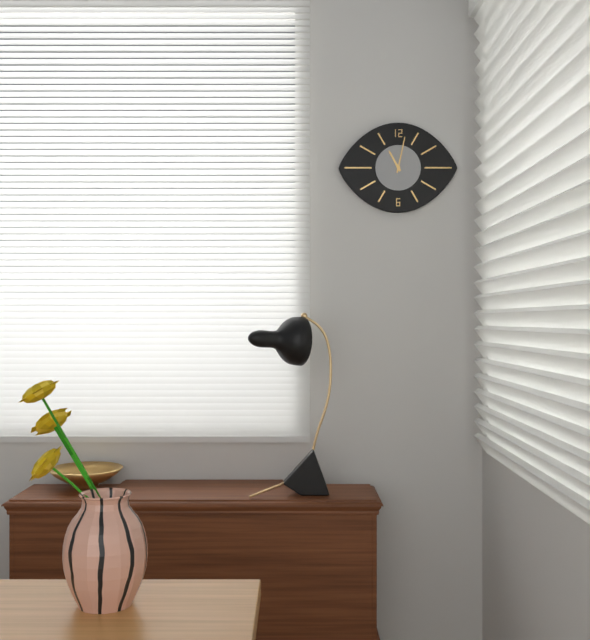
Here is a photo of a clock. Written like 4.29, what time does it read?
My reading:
11.02
